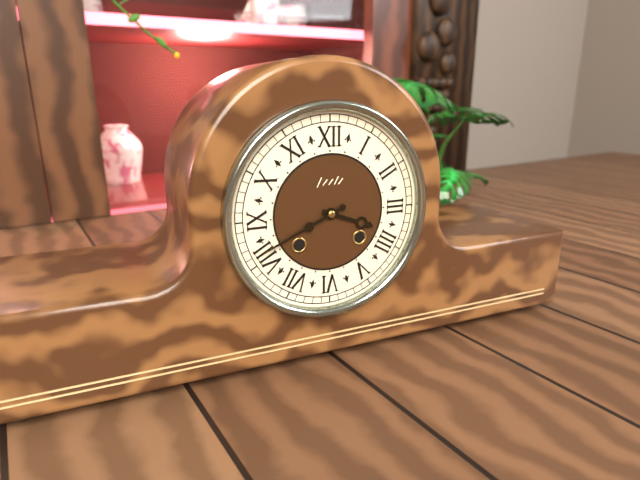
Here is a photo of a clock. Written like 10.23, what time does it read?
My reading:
3.41
